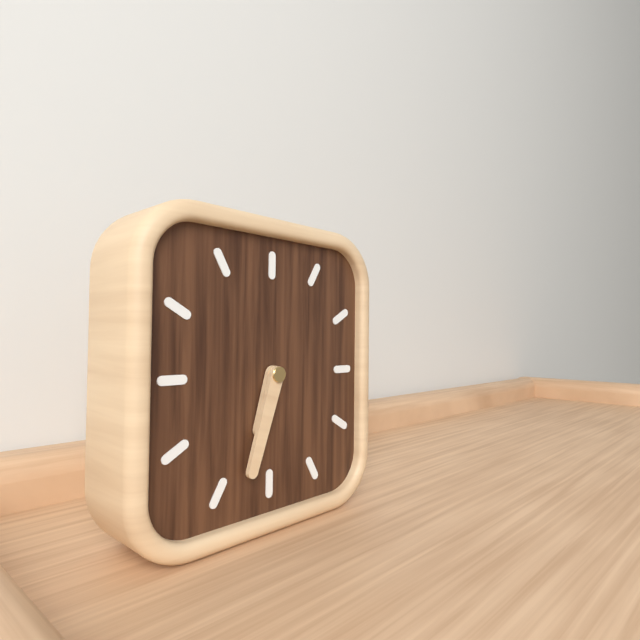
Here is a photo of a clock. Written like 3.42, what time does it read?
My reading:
6.33
